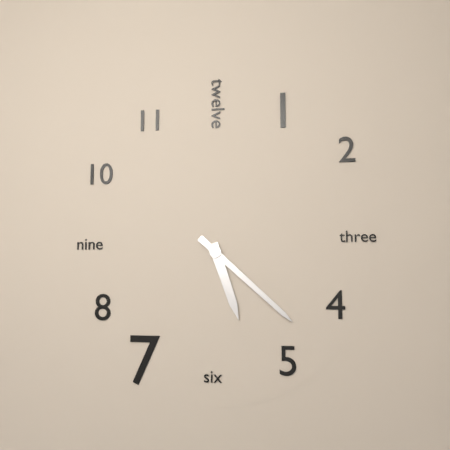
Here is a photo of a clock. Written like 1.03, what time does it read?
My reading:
5.22
